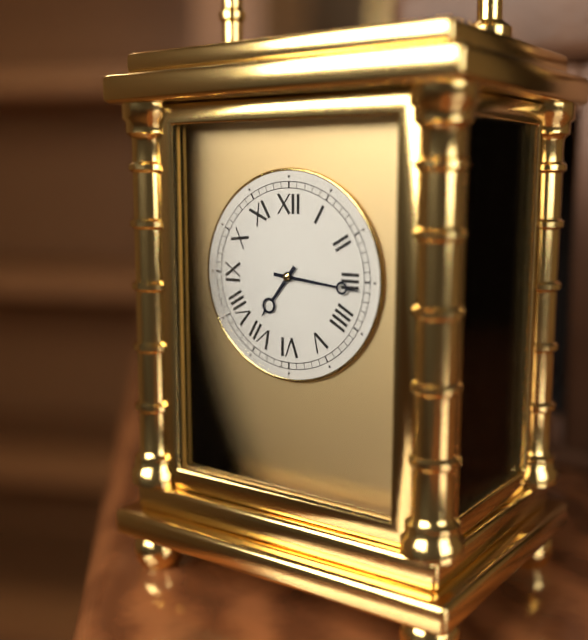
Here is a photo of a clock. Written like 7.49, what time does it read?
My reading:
7.16
